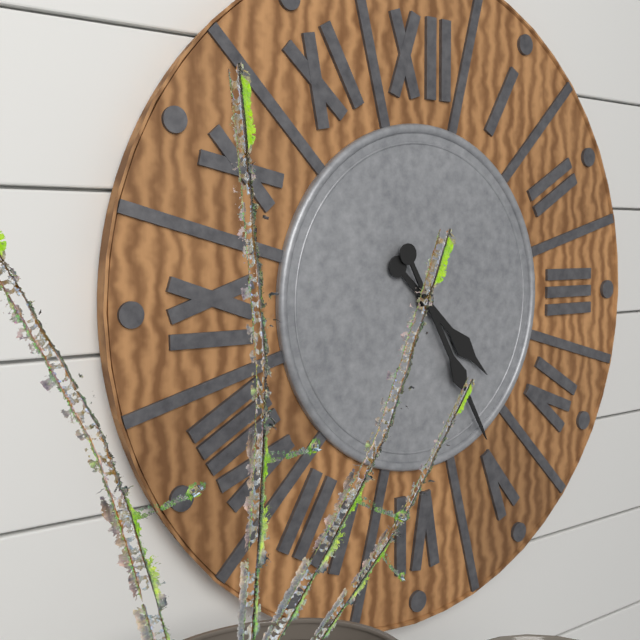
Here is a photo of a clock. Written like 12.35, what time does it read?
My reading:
4.25
